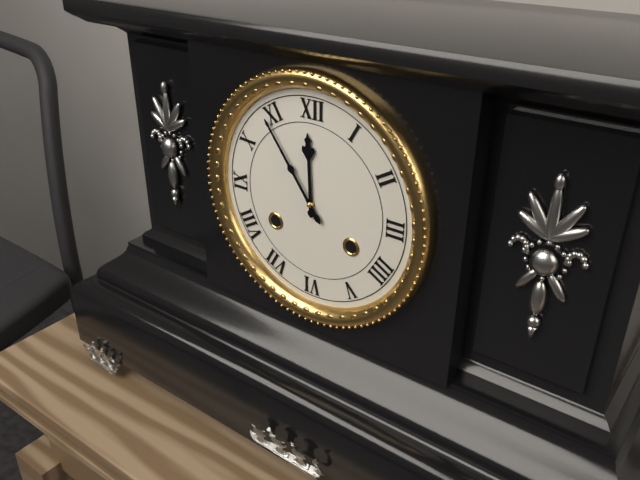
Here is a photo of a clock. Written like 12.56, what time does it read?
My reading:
11.54
